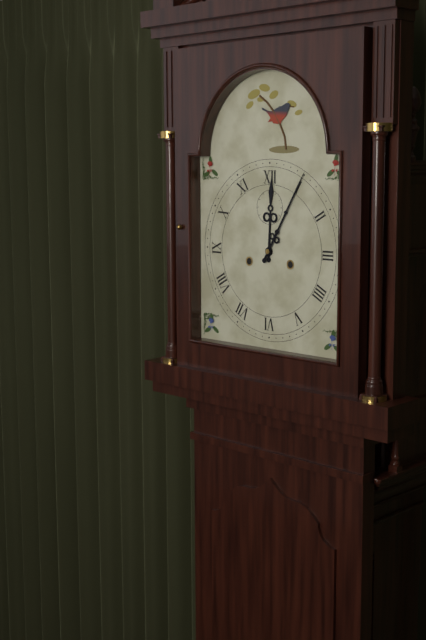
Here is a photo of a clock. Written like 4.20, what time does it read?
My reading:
12.05
